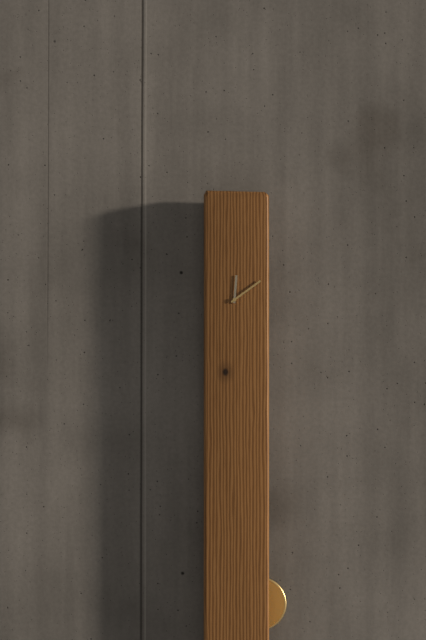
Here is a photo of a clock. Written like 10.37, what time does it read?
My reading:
12.09
